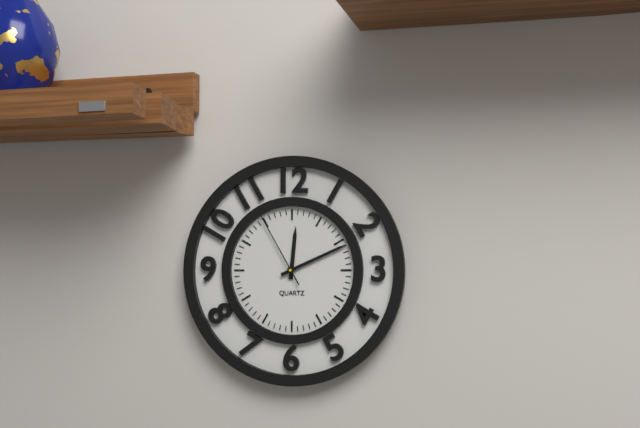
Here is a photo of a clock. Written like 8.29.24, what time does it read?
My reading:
12.11.55
